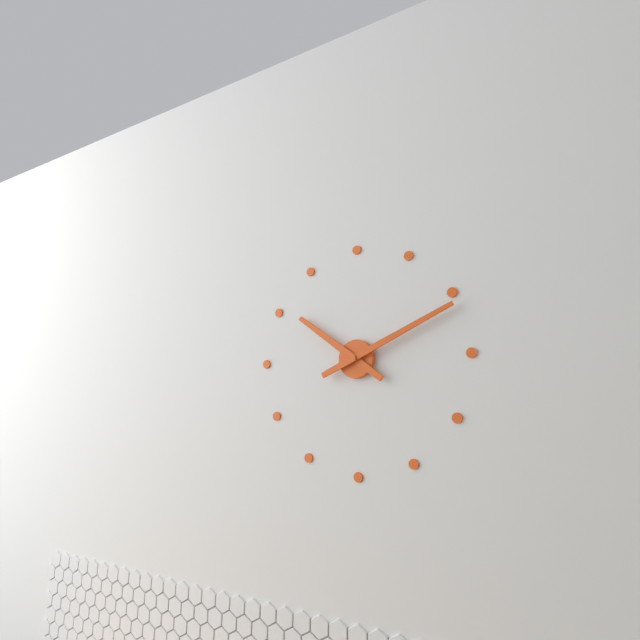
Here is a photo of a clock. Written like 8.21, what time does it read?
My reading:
10.11
